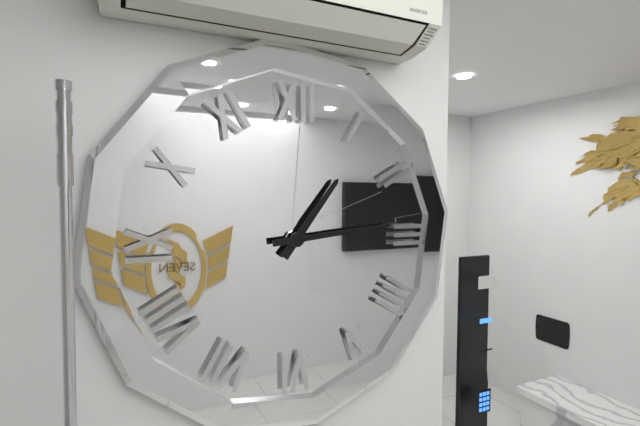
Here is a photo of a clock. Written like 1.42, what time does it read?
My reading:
1.14
